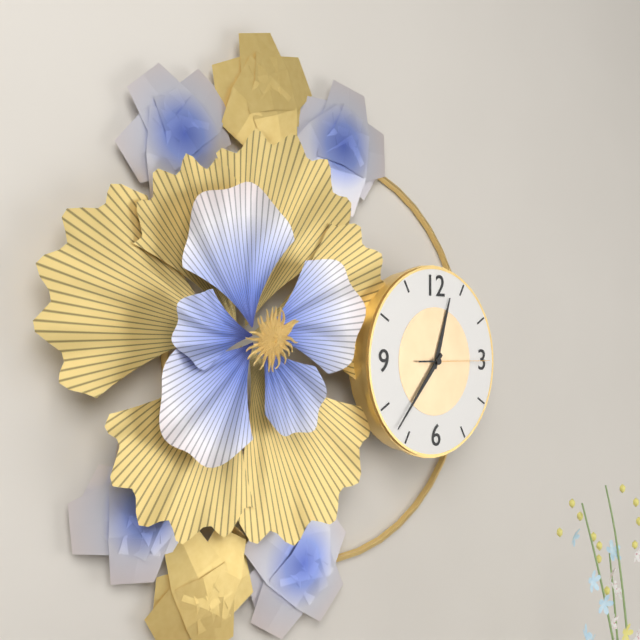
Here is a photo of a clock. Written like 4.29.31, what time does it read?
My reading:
12.37.15
